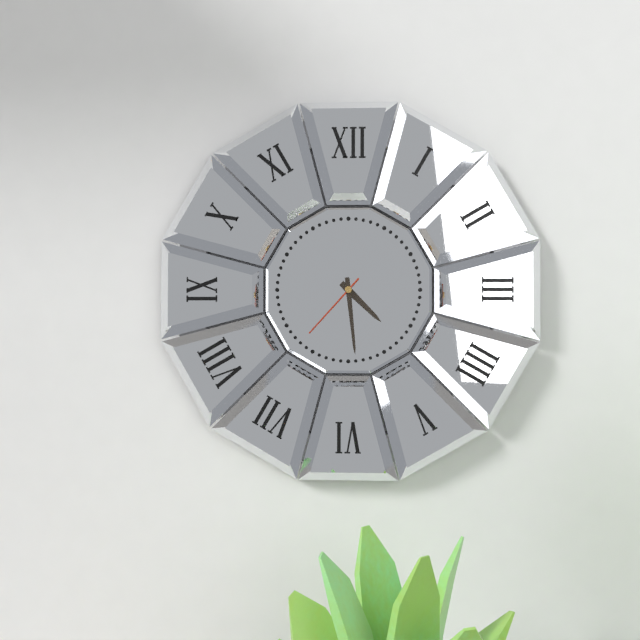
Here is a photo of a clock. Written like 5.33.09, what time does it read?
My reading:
4.29.37
